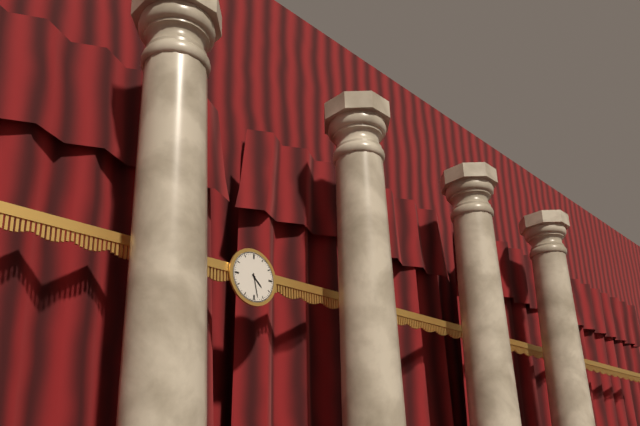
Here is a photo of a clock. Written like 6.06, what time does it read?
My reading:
4.28
